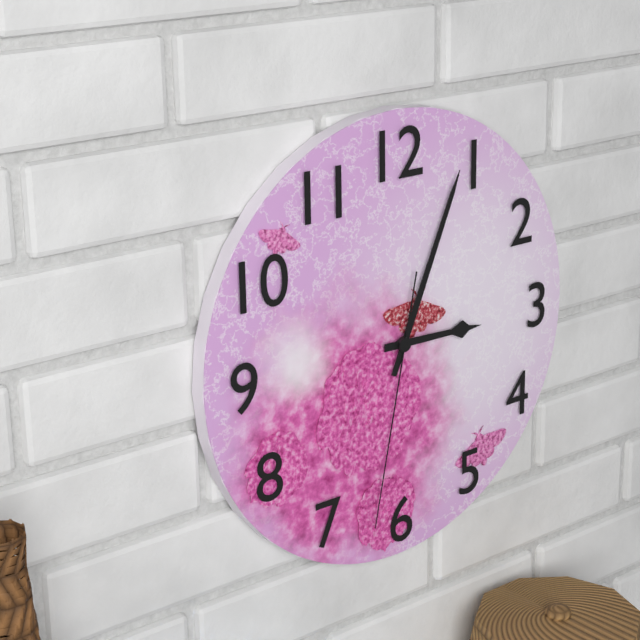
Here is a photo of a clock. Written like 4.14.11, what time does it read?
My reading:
3.04.32
